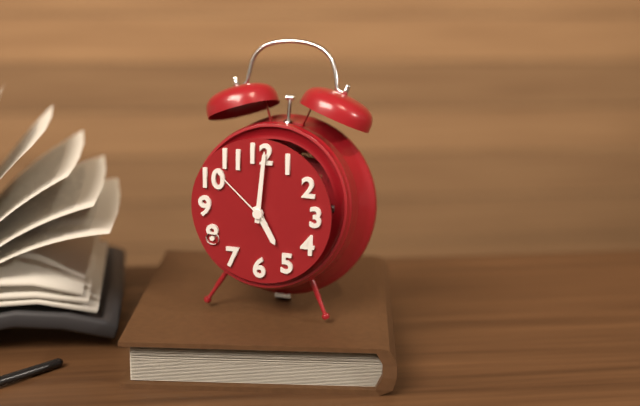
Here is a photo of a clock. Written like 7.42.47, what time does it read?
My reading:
5.01.52
